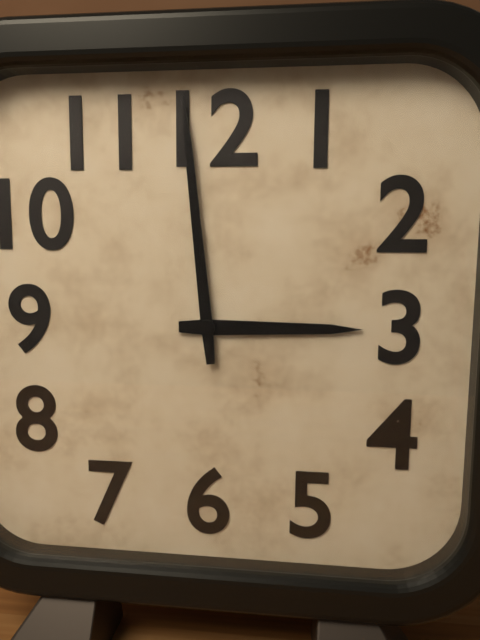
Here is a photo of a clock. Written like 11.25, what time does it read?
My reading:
2.59
